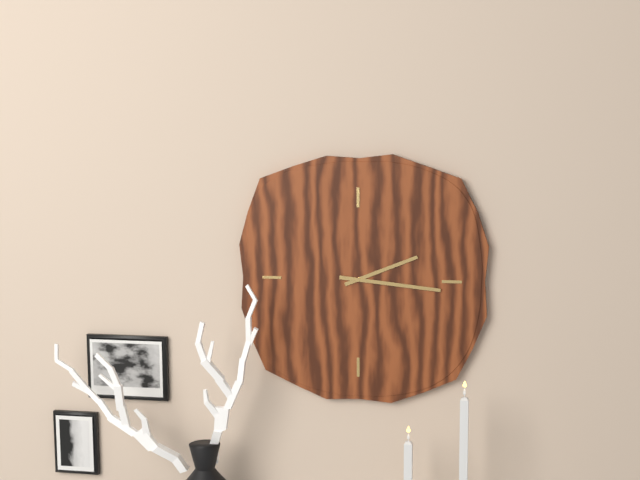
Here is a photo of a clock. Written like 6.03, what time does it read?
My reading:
2.16
